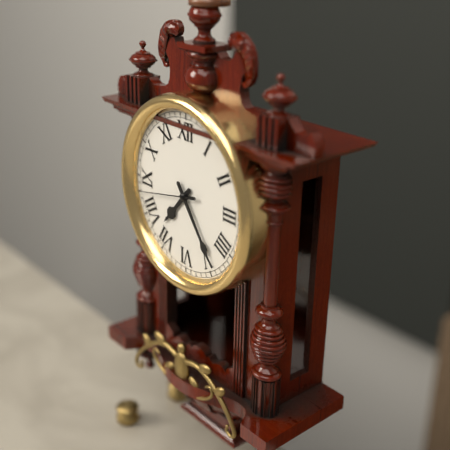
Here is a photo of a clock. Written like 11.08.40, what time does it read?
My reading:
7.24.43
